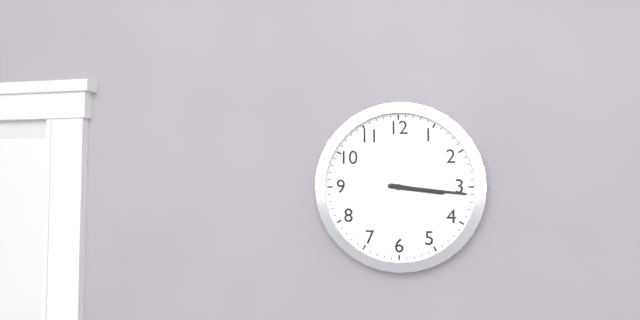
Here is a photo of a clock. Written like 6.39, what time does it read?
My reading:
3.16
